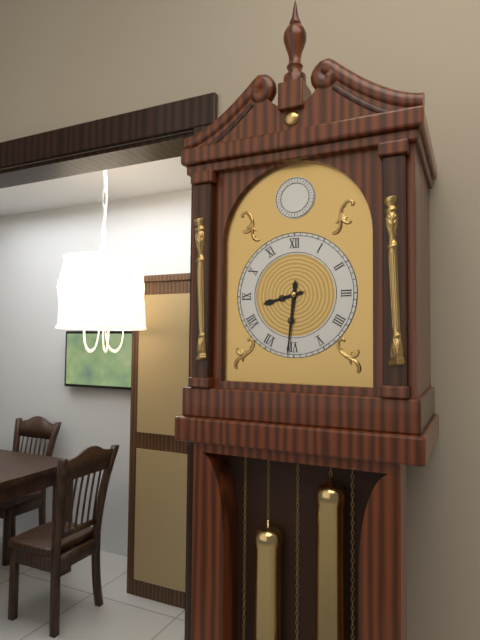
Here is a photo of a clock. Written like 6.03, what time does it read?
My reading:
8.31
